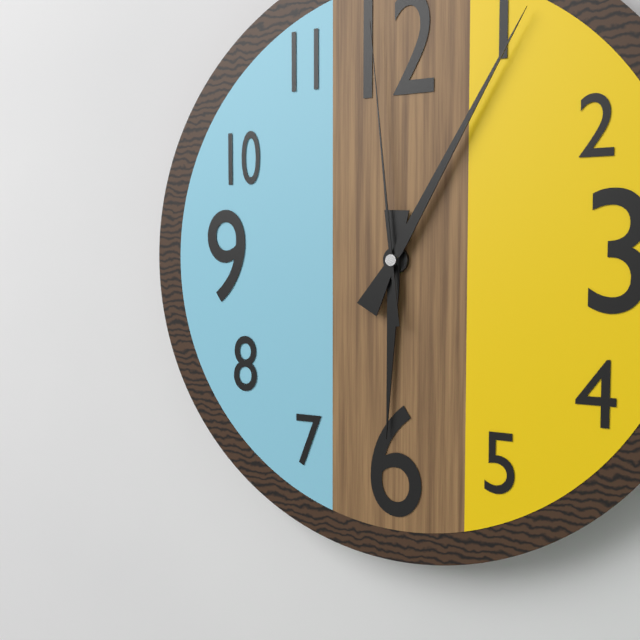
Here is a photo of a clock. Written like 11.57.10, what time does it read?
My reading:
6.05.59
